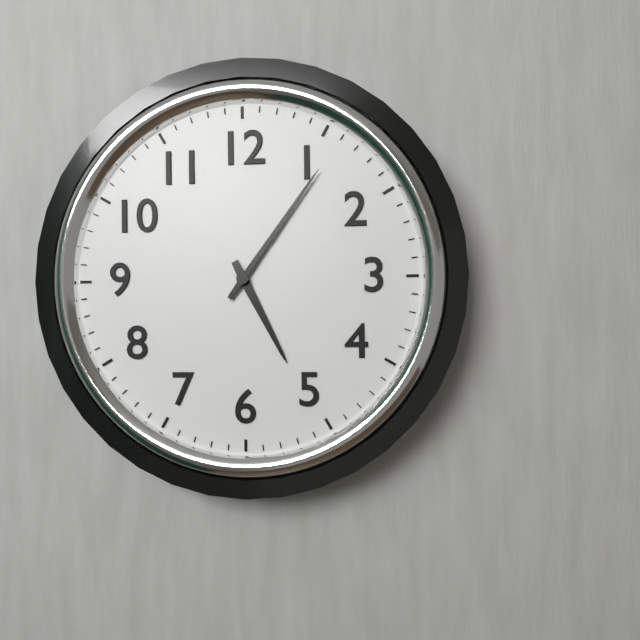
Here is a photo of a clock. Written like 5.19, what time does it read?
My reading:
5.06
